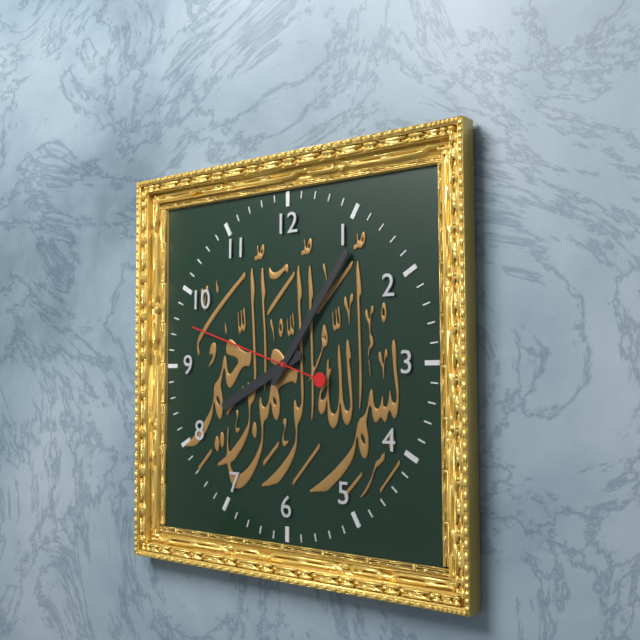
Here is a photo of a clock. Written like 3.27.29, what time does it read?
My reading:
8.06.48
